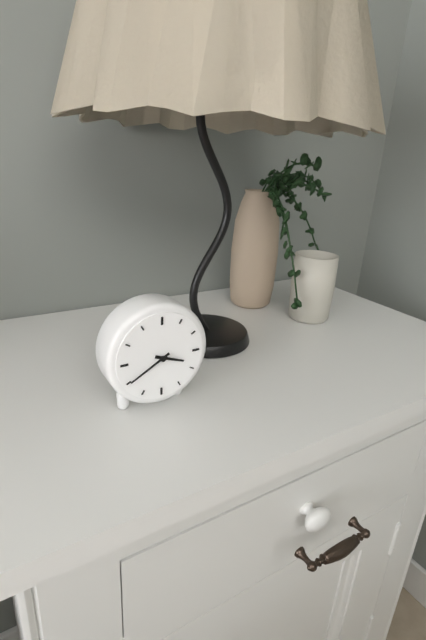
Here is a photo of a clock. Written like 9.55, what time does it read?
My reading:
3.40
